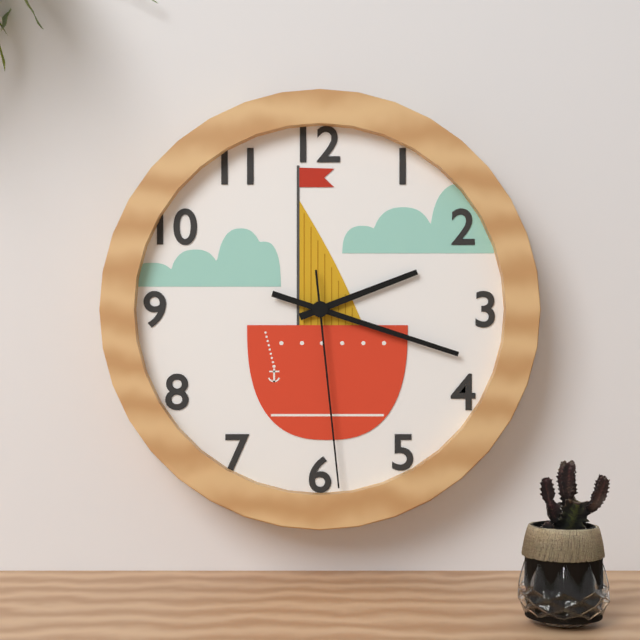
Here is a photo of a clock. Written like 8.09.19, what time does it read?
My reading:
2.18.29
